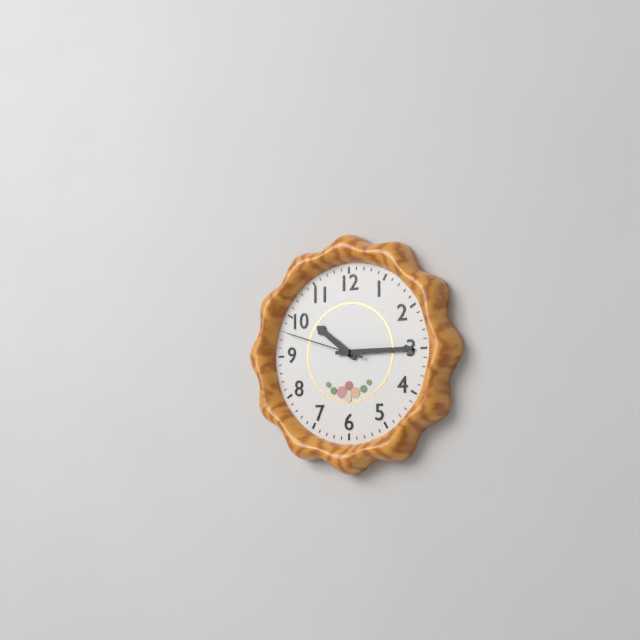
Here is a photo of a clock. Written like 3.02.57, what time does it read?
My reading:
10.15.48
